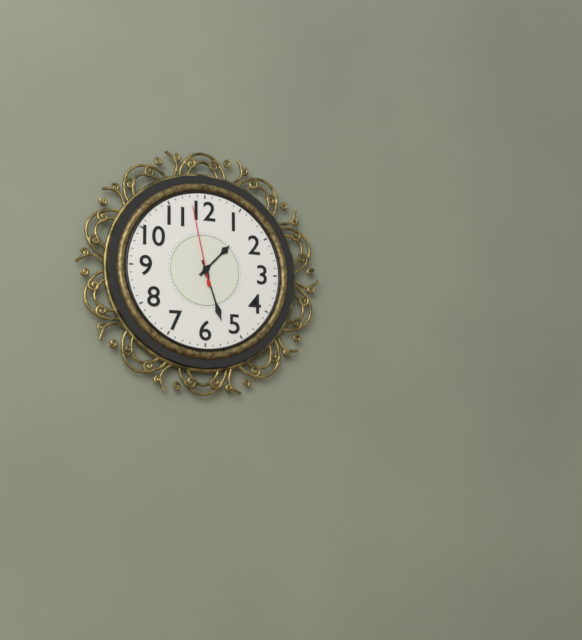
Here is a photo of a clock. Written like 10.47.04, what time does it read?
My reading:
1.27.58
